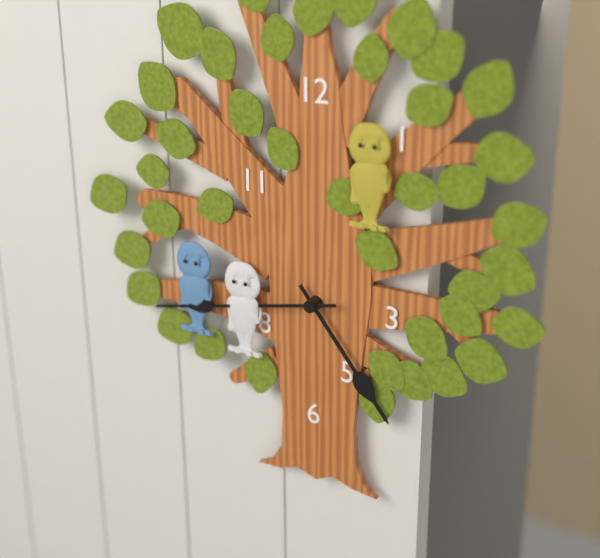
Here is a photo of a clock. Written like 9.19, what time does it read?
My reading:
4.43
